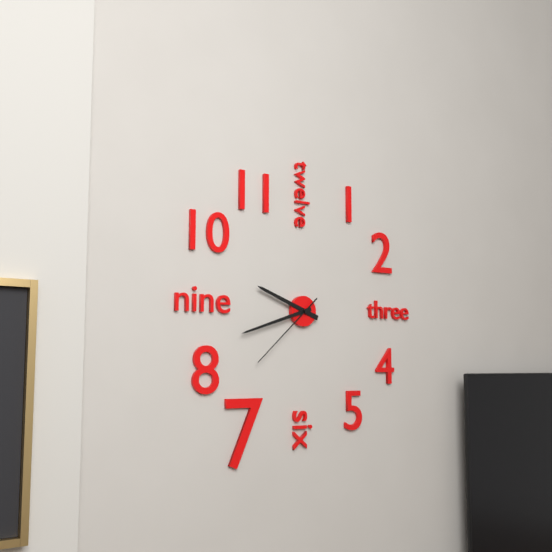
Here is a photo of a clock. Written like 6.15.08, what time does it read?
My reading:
9.42.38
